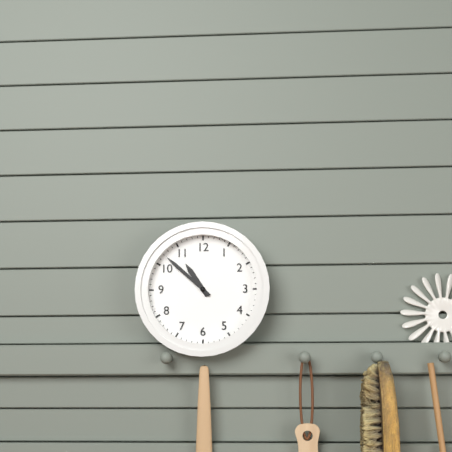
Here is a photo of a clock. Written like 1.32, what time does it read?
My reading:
10.52
